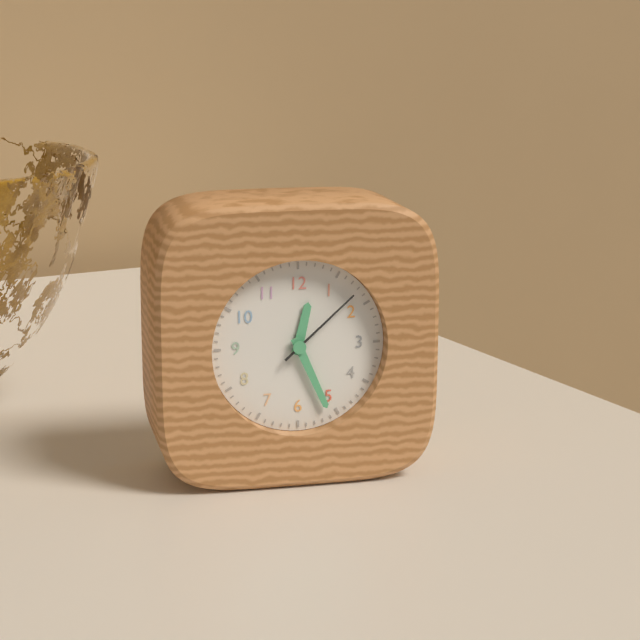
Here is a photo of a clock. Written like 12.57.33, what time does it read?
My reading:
12.26.08
